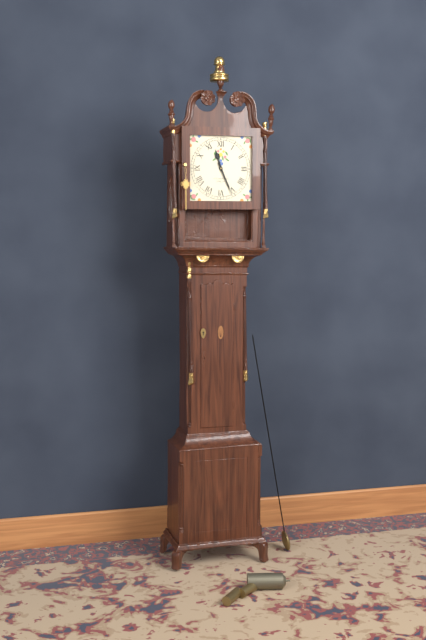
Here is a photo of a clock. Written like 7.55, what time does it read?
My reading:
11.26
